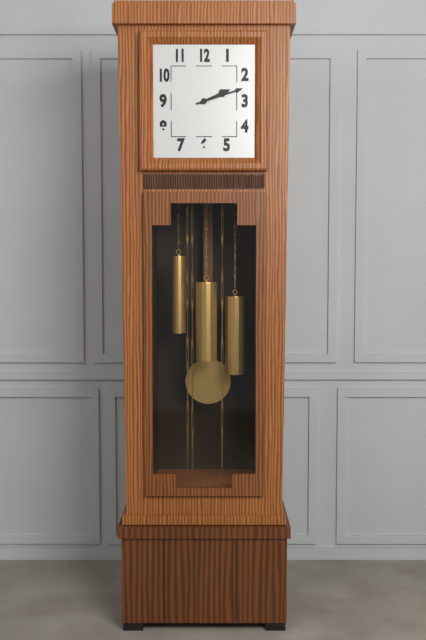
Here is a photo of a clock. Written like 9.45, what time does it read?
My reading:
2.12
